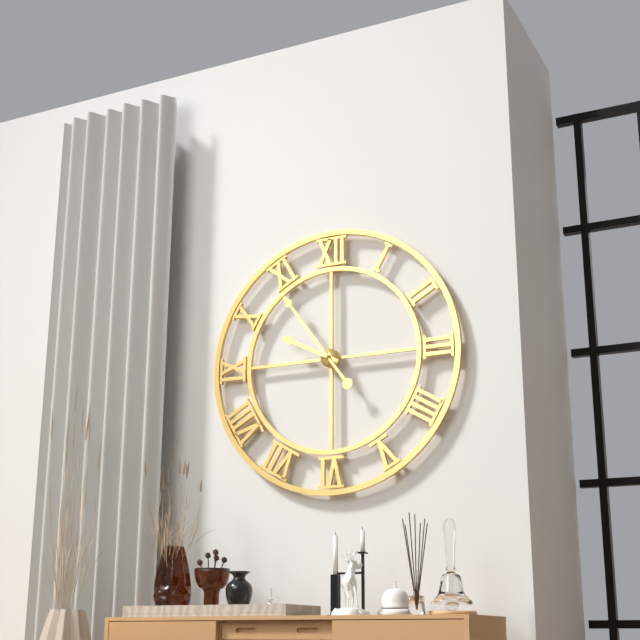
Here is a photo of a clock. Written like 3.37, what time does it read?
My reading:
9.54
